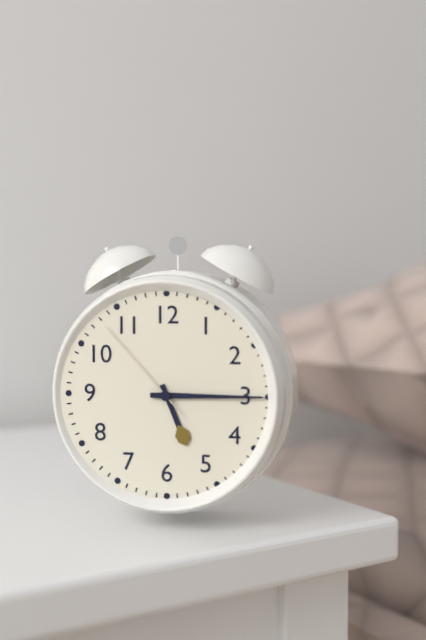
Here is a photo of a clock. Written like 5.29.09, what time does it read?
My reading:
5.15.53
